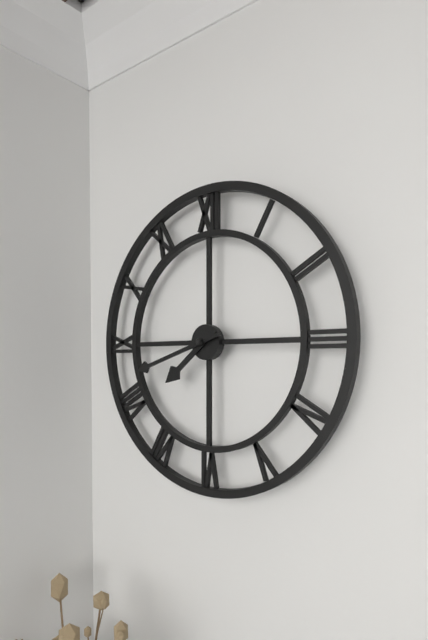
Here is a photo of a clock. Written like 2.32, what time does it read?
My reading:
7.42
